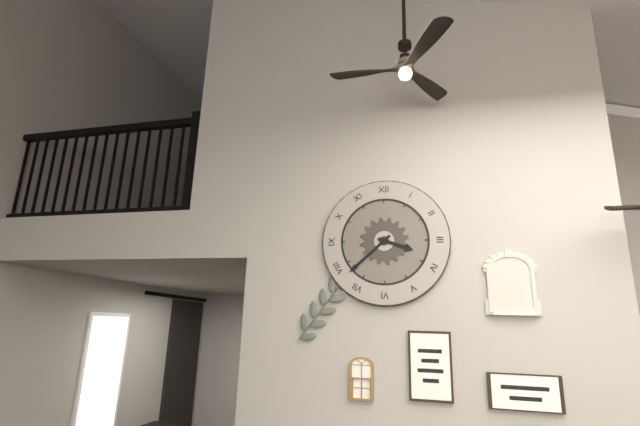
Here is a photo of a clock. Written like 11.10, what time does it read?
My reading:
3.38
